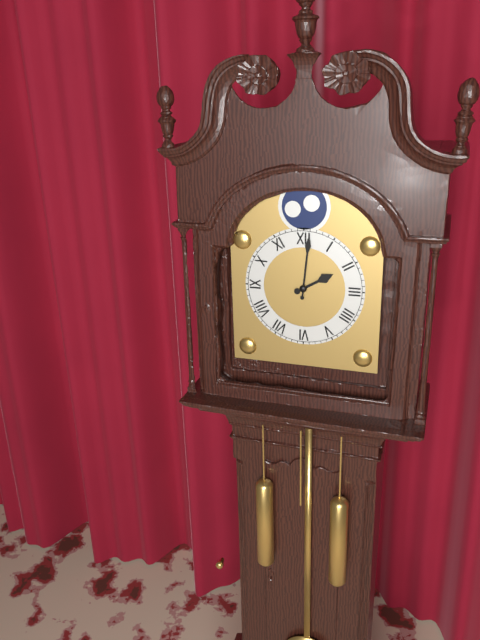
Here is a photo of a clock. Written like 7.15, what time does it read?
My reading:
2.01
